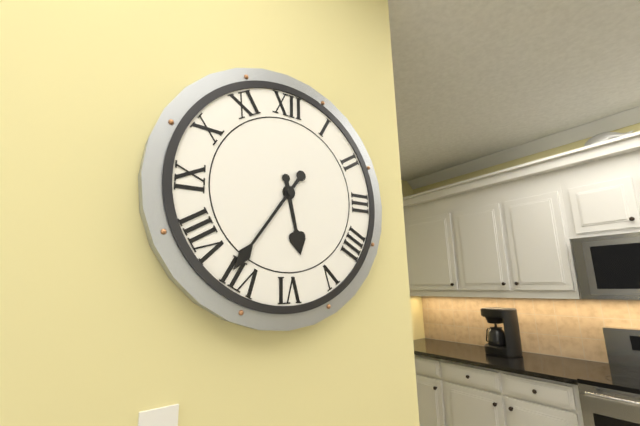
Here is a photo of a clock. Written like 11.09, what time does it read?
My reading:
5.36
